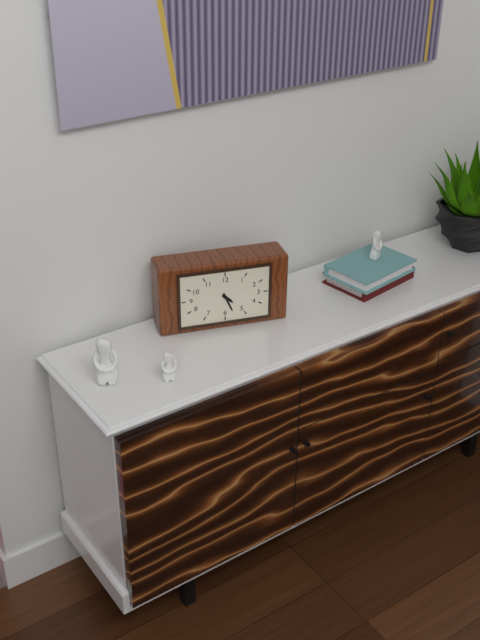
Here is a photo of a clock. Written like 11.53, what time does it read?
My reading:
4.26
